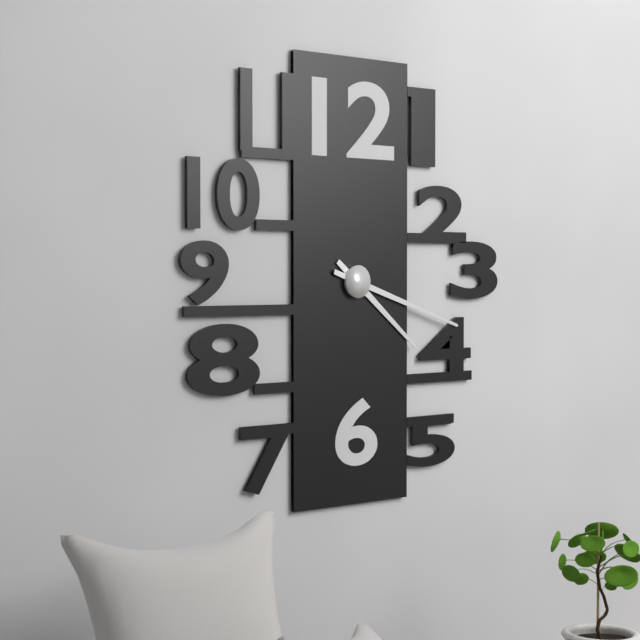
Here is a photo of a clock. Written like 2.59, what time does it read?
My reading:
4.18
